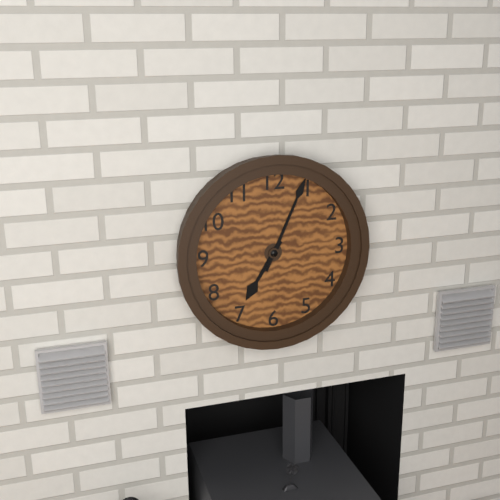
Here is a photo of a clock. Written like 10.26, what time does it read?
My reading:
7.04
